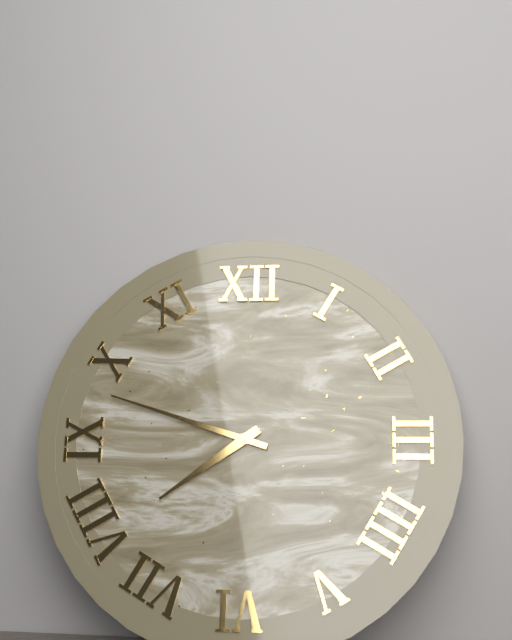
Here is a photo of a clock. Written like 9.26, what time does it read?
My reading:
7.48
